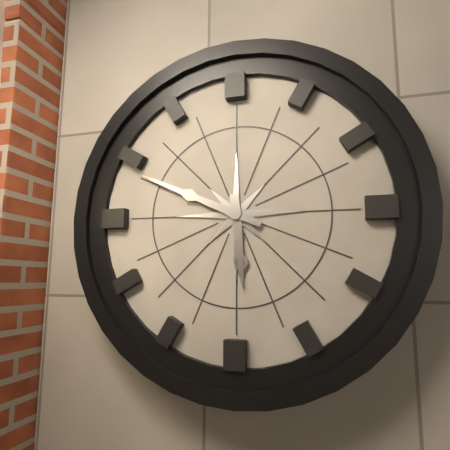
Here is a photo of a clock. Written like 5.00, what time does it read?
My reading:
5.49
